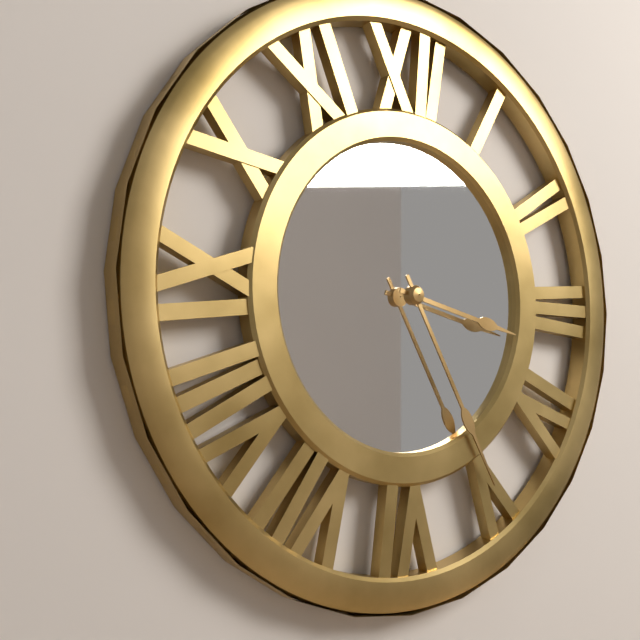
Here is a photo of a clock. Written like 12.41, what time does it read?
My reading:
3.25
